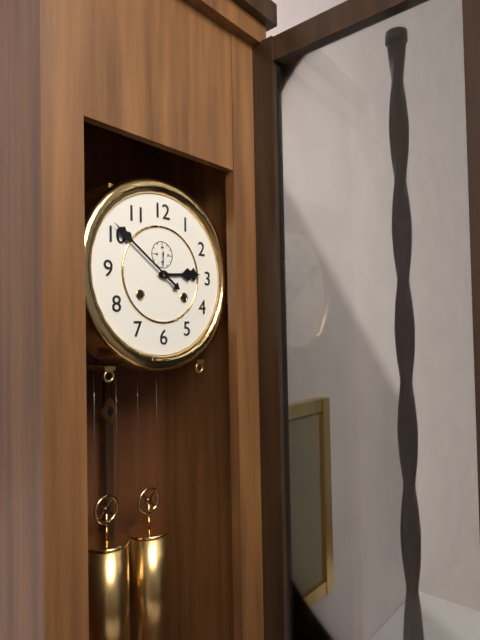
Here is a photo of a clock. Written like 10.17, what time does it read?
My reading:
2.51
